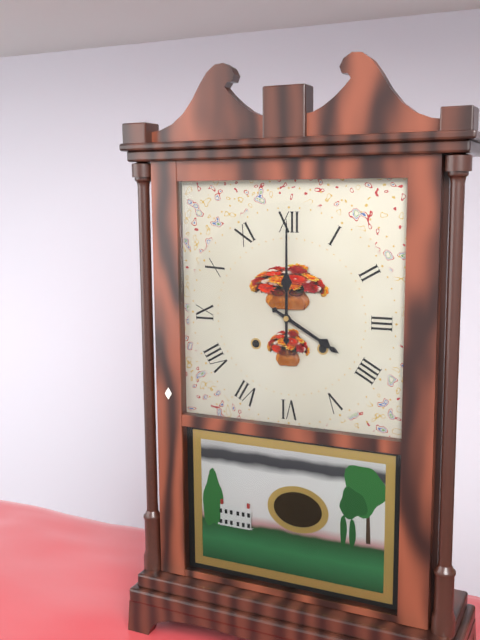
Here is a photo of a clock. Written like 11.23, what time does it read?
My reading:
4.00
